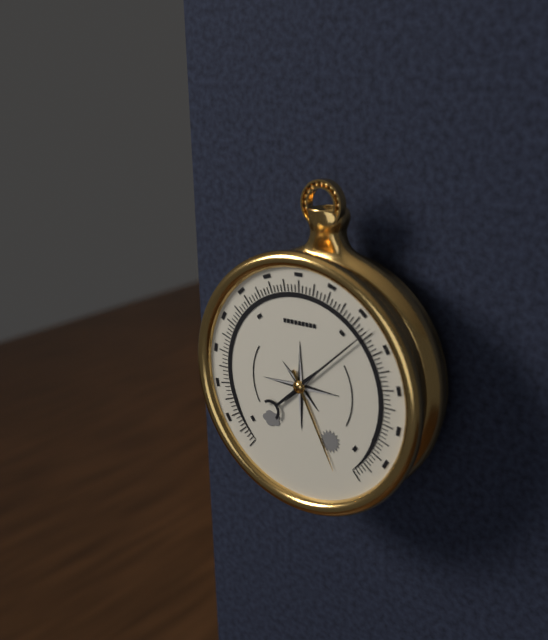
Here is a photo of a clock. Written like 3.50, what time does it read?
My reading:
5.08
